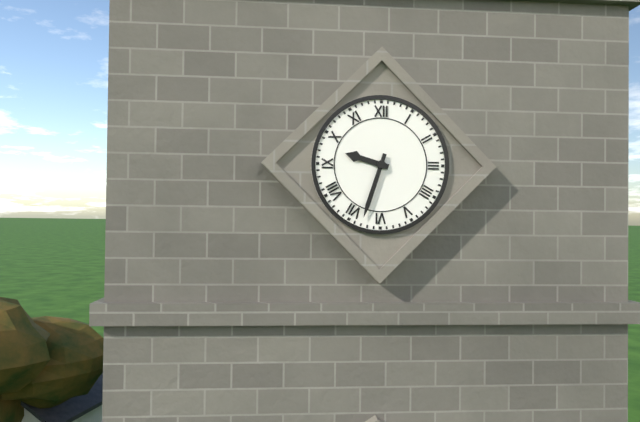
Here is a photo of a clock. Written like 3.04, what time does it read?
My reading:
9.33
